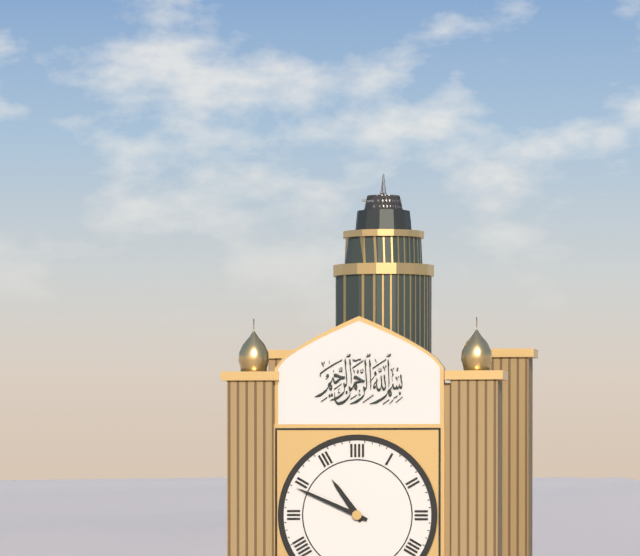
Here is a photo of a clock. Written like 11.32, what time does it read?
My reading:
10.49
